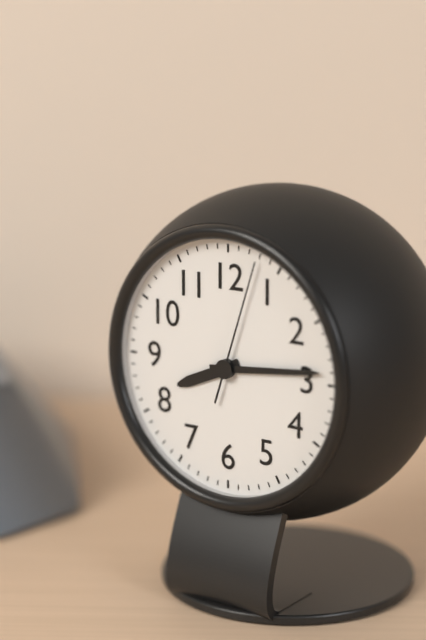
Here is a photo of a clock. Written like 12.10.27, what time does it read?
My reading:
8.14.03
